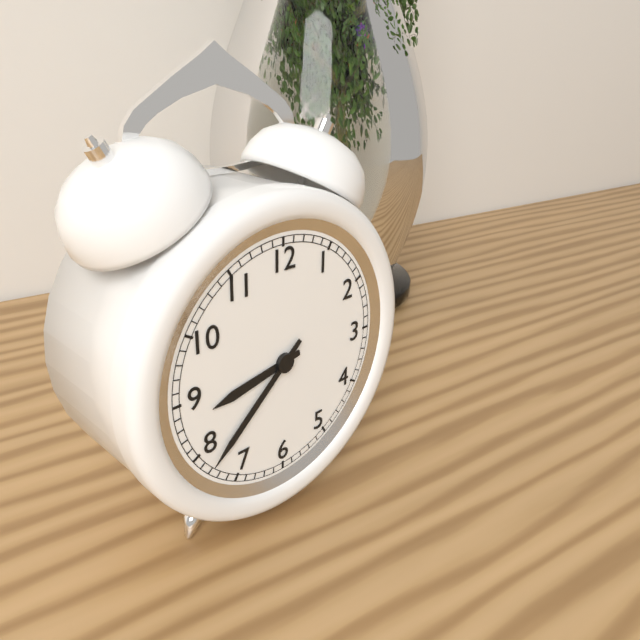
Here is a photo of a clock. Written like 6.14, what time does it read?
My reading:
8.38
